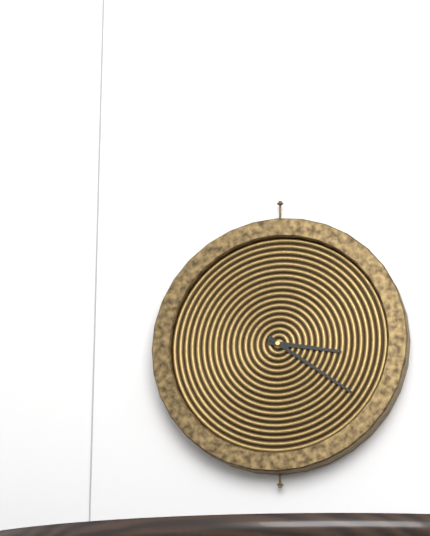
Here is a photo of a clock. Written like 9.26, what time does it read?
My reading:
3.21
